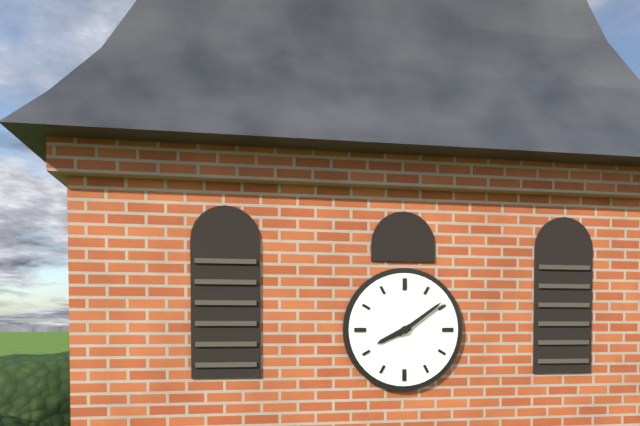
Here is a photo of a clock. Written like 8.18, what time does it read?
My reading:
8.09
